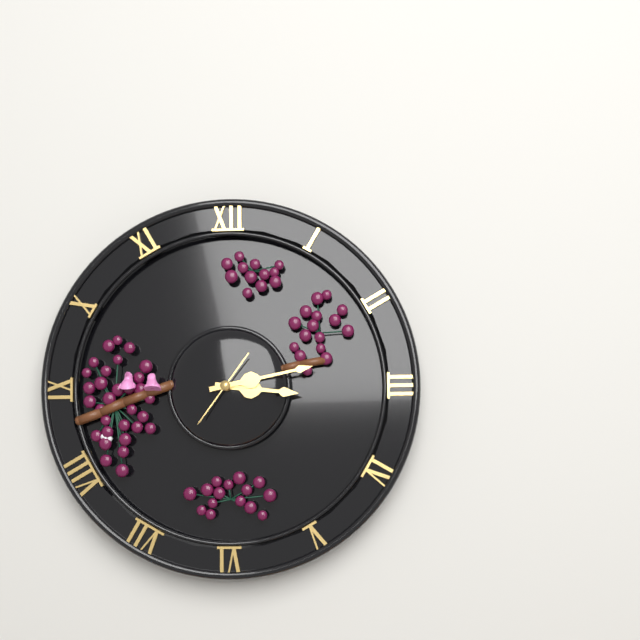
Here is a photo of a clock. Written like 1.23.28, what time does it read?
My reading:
3.13.36
